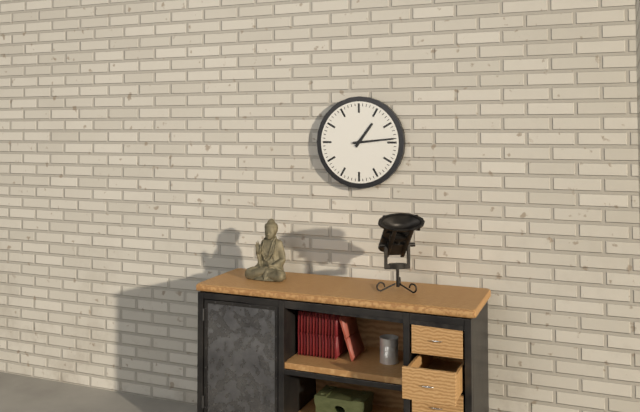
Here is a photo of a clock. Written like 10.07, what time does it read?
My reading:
1.14
